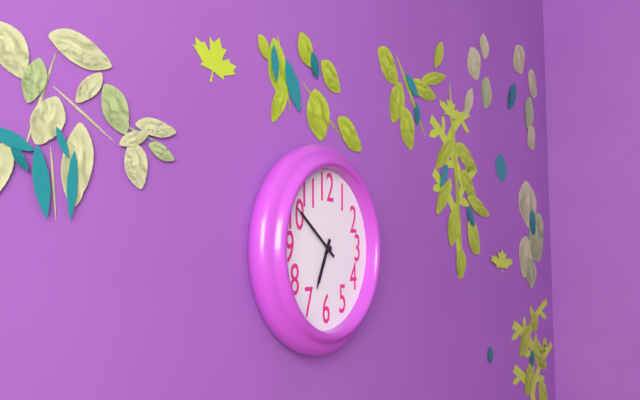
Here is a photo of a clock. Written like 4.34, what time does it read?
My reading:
6.51
